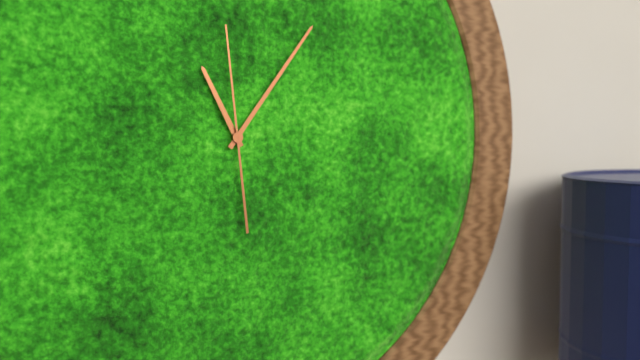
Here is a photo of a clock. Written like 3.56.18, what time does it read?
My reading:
11.06.59
